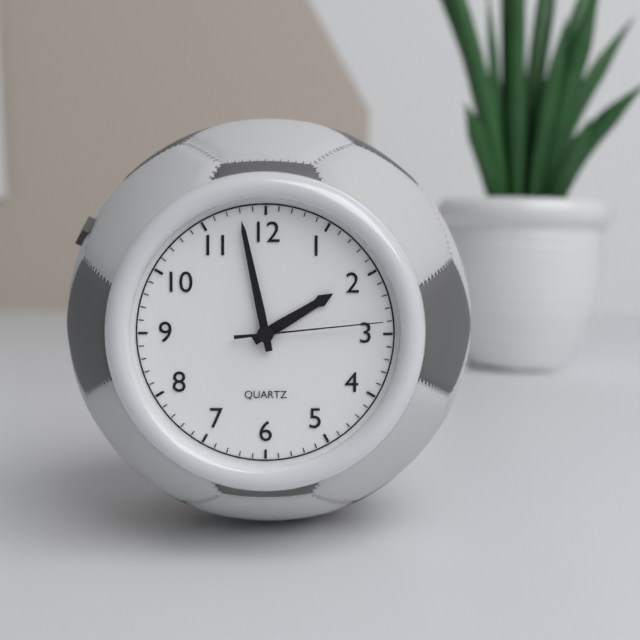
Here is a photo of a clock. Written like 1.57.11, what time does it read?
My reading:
1.58.14
